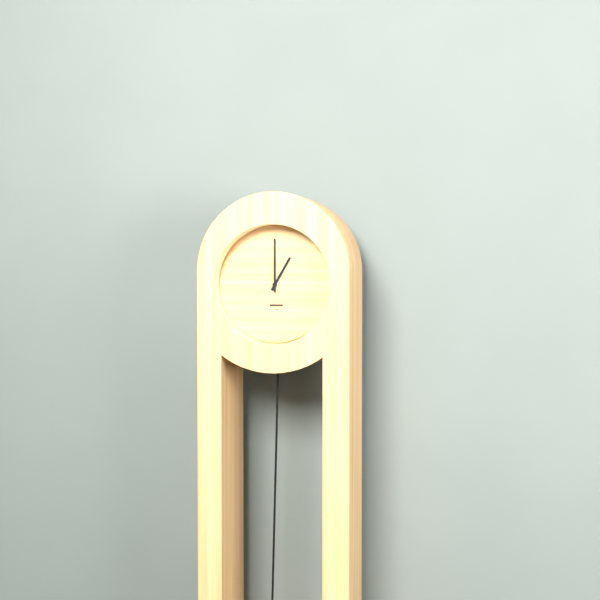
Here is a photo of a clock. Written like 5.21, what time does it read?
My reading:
1.00
